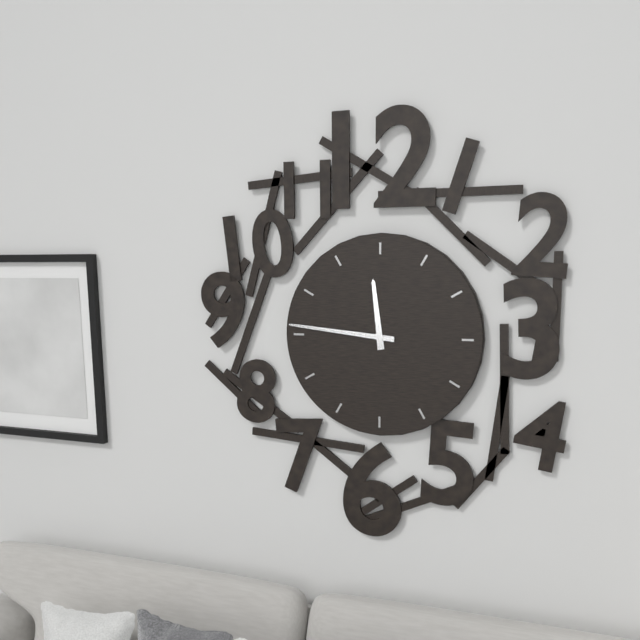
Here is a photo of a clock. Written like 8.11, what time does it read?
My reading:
11.46
